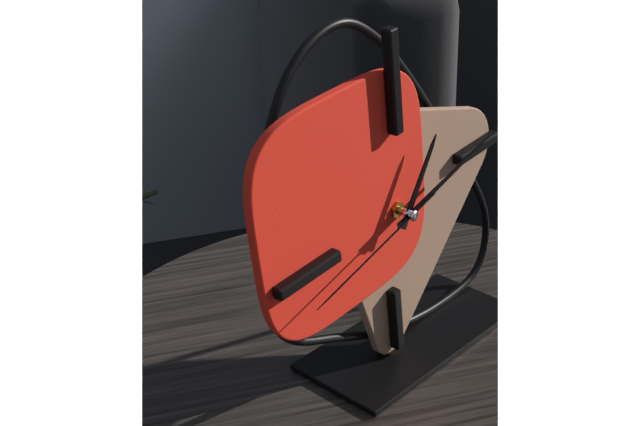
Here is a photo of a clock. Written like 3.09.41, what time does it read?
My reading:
1.13.43
